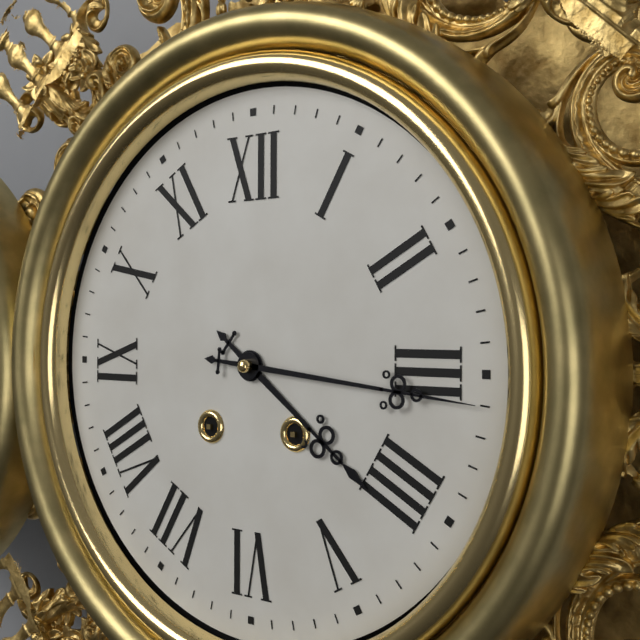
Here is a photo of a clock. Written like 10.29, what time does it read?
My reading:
4.16
